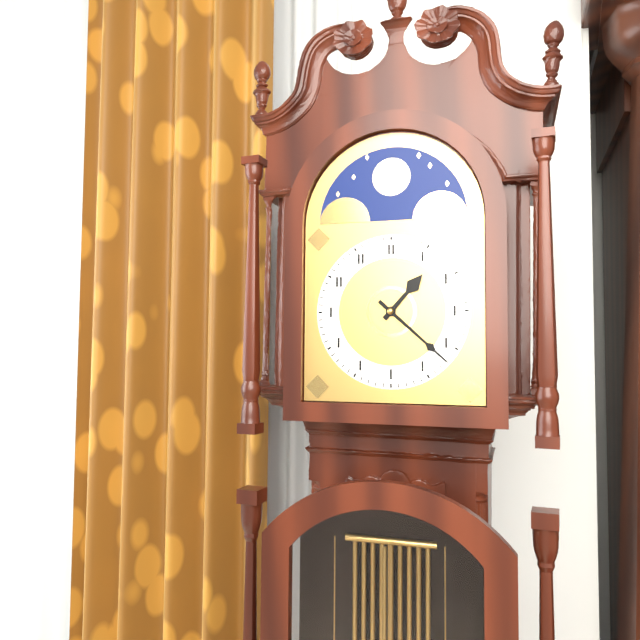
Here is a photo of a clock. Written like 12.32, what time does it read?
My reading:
1.22
